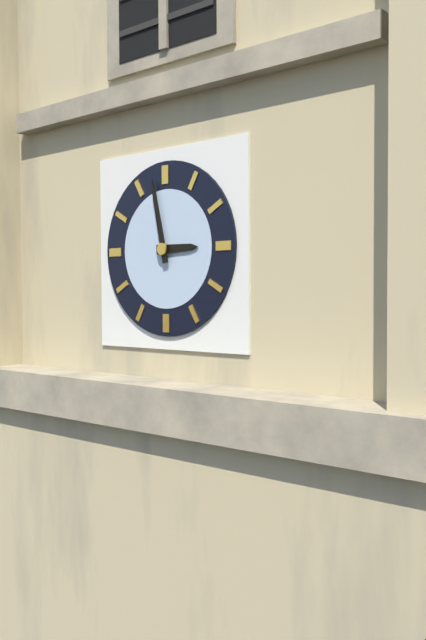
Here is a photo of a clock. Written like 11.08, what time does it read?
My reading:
2.58
